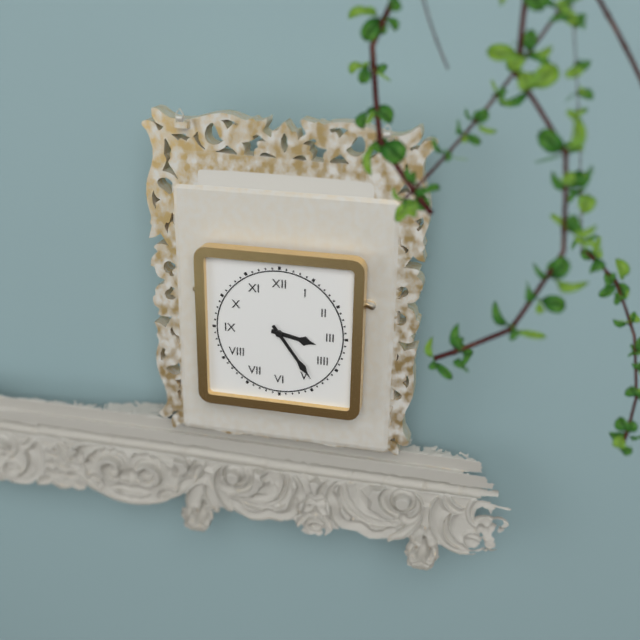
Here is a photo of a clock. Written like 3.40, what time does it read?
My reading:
3.24
